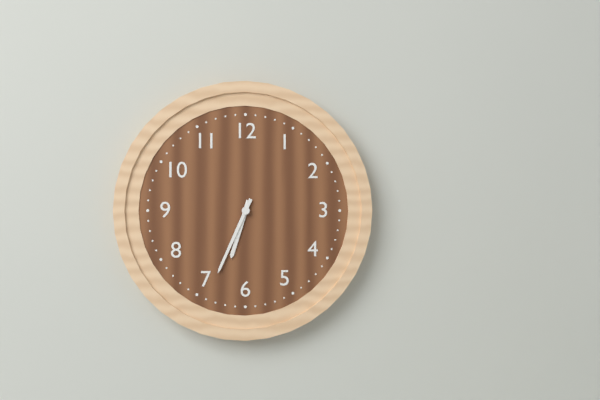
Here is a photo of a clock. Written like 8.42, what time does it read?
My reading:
6.34
